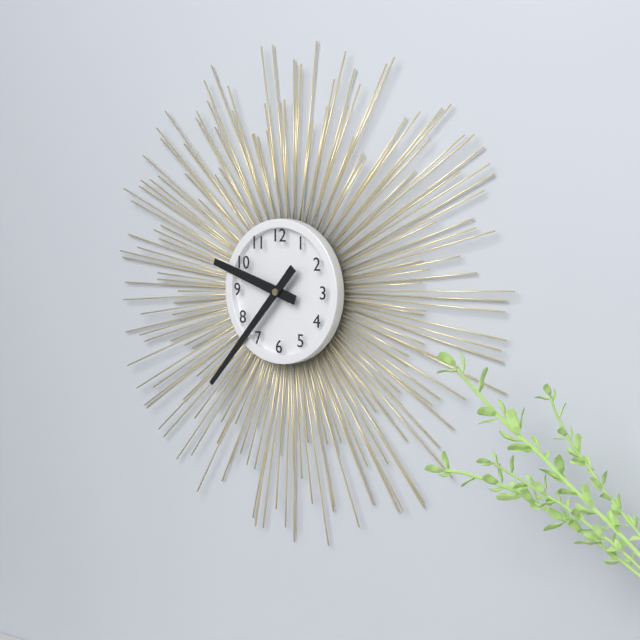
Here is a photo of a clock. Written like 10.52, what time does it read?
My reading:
9.37
